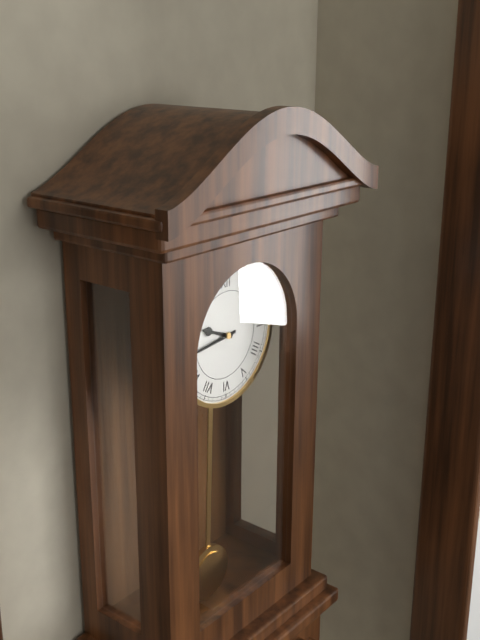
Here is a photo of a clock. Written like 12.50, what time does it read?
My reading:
9.44
